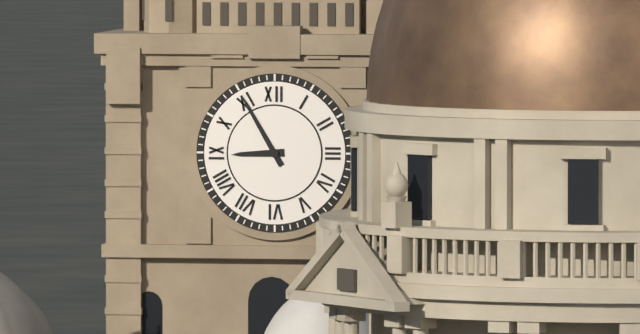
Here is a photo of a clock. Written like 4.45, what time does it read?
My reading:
8.55
